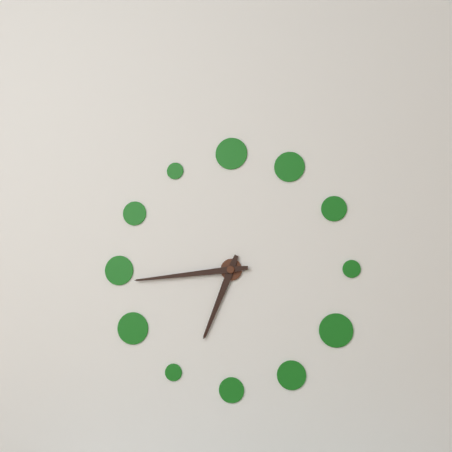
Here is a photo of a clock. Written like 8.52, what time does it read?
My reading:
6.44
